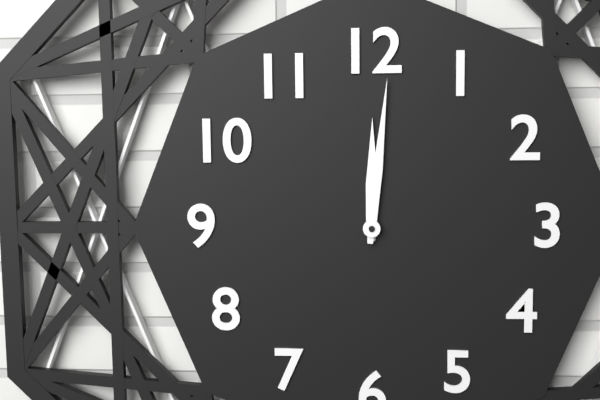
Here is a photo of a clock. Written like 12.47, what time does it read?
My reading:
12.01
